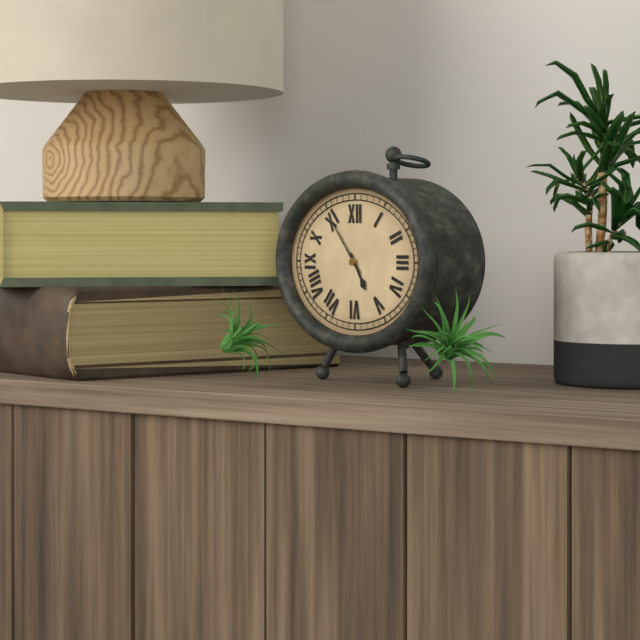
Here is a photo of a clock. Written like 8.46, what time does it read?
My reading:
4.53
